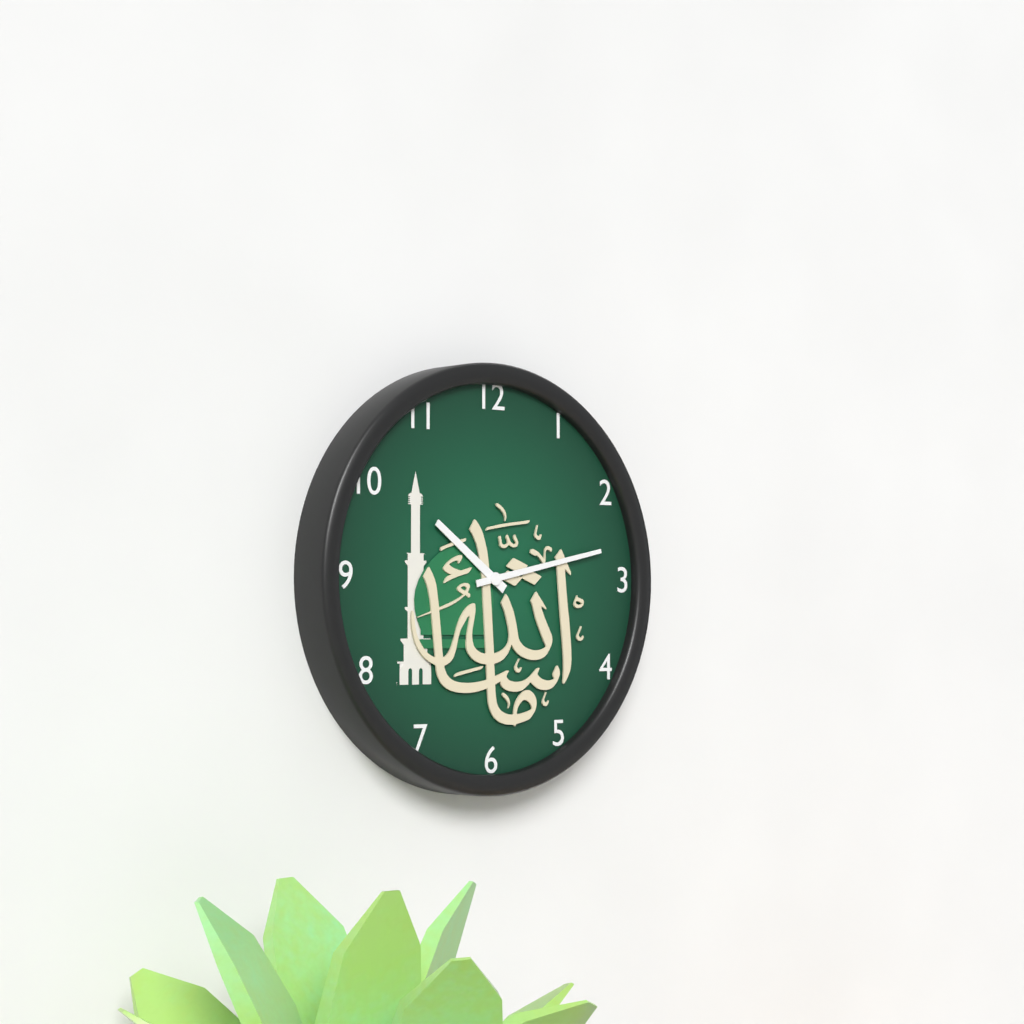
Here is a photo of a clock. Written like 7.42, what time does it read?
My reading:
10.13
